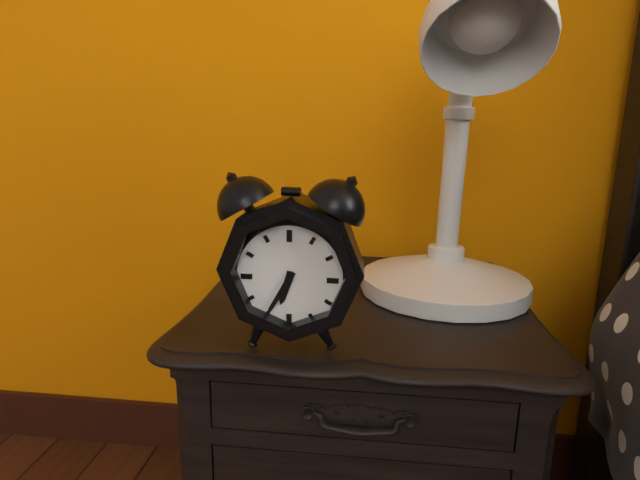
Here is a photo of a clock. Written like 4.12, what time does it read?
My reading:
6.35
